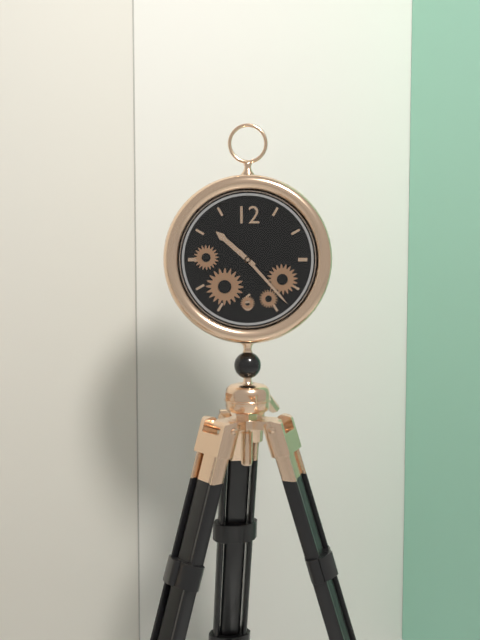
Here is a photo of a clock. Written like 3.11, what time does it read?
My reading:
10.23
